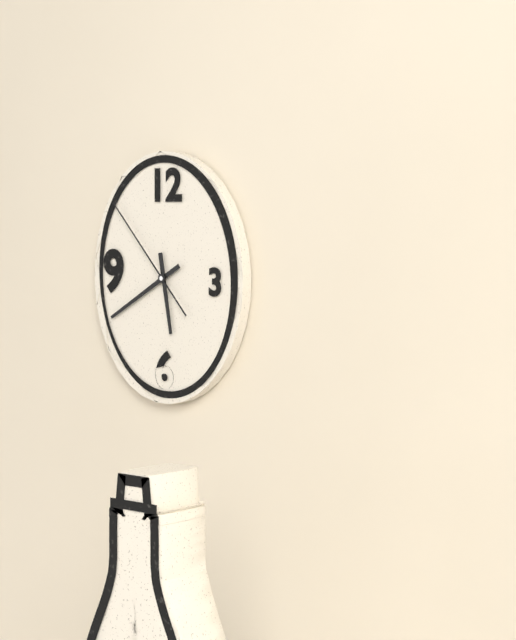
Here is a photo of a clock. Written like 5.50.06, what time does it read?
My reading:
5.40.53
